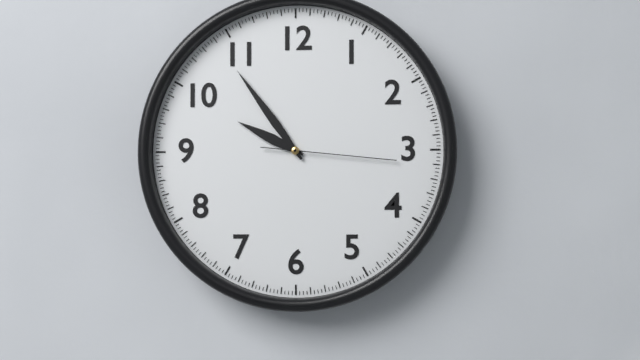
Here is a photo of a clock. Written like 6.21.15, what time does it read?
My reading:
9.54.16
